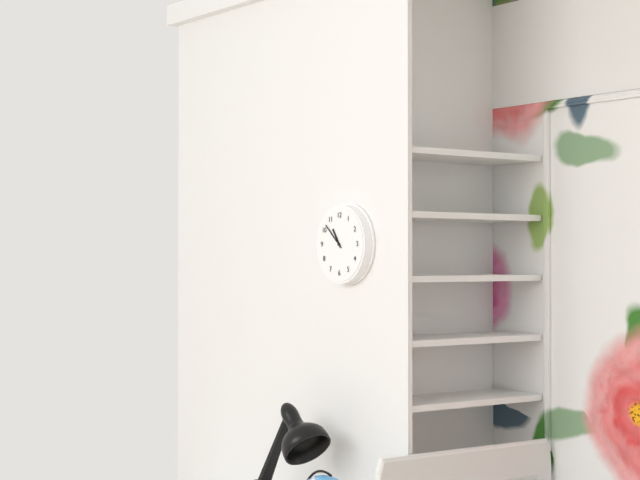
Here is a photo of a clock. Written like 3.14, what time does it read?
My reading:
10.52
